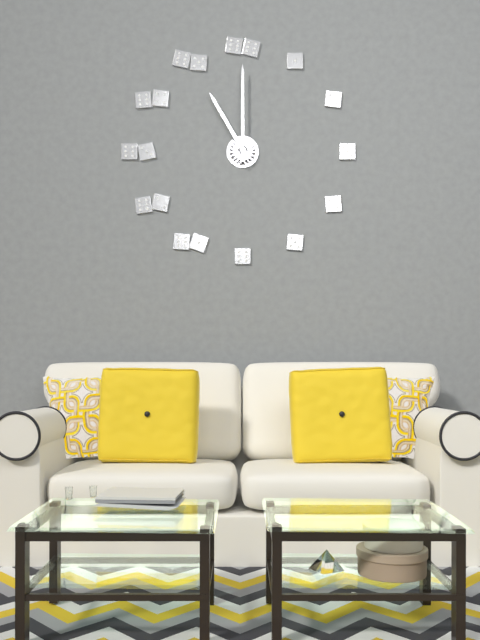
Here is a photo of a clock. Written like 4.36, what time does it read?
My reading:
11.00
